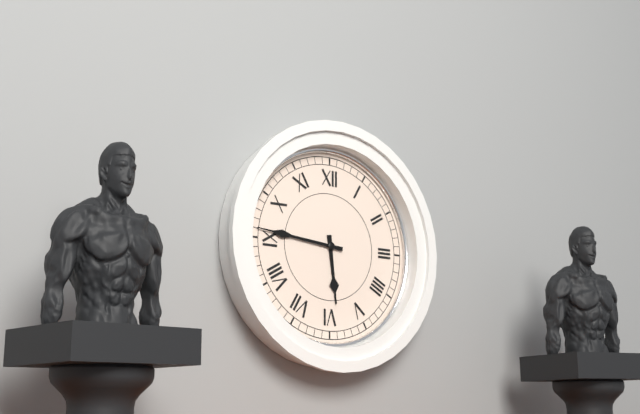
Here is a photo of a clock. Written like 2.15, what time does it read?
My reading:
5.46
